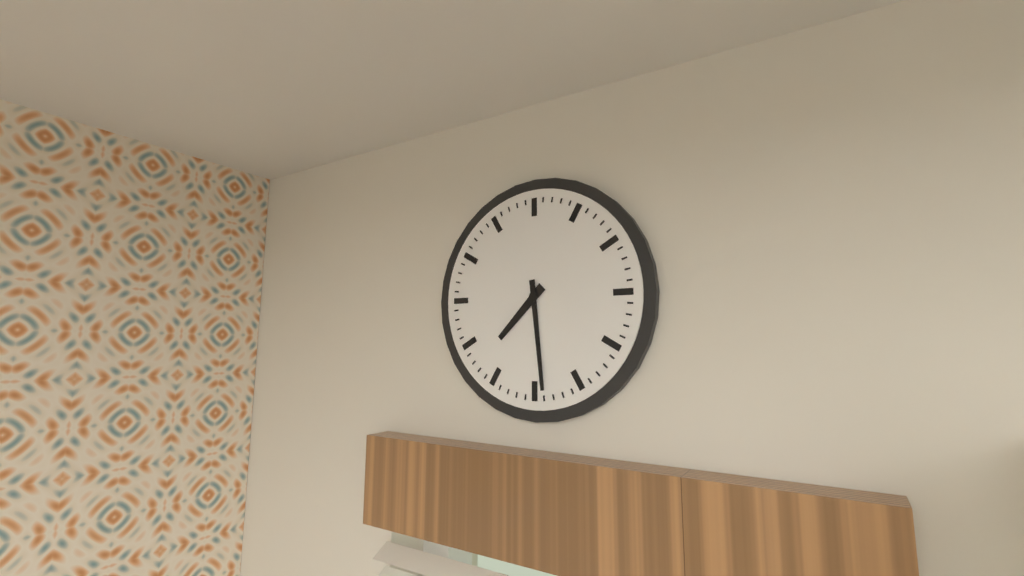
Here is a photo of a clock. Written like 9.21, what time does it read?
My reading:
7.29
